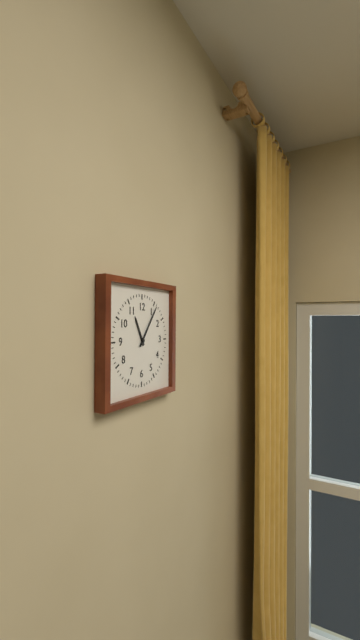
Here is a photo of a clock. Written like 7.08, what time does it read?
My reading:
11.06
